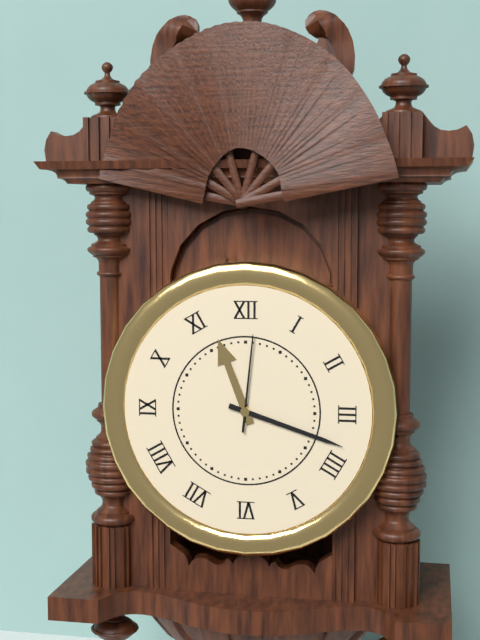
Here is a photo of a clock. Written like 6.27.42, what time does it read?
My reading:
11.18.01
